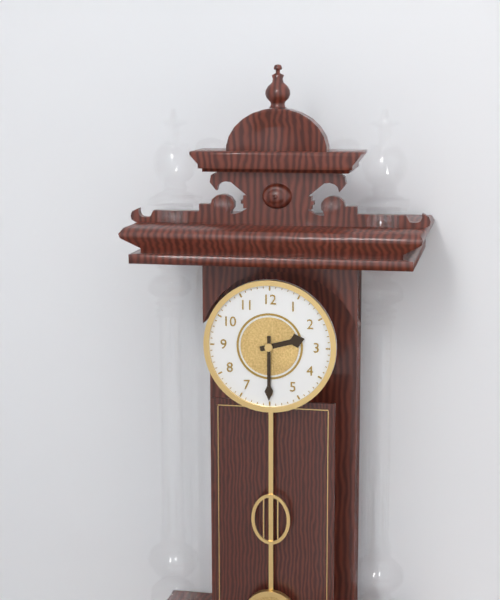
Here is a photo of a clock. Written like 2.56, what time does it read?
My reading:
2.30
